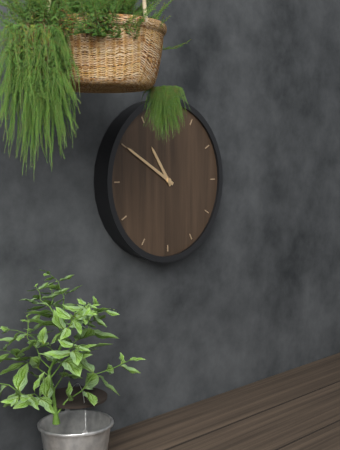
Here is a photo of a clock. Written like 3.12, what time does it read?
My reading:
10.50
